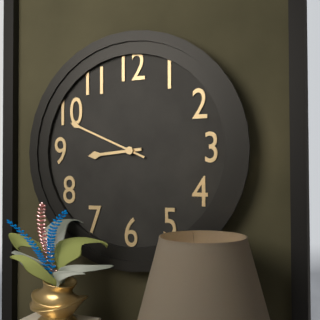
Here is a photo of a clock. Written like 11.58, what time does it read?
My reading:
8.49
